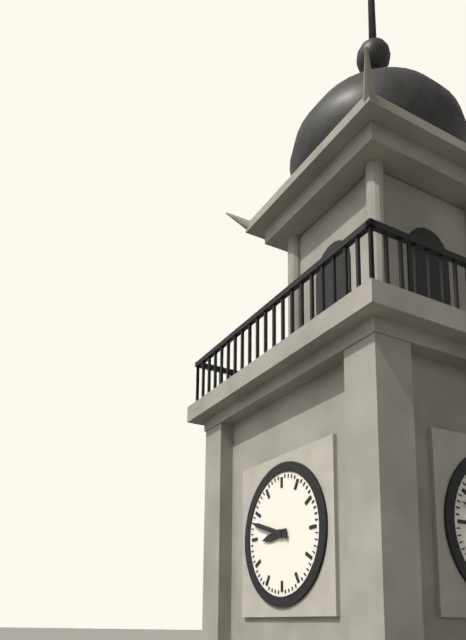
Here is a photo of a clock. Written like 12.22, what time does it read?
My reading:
8.48
